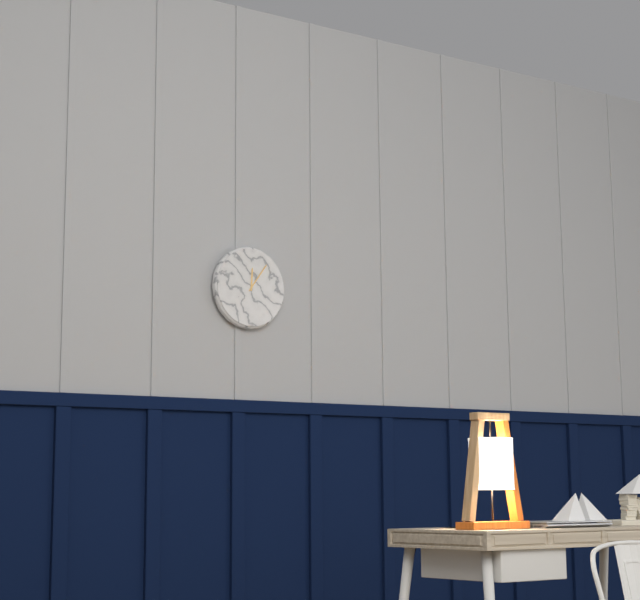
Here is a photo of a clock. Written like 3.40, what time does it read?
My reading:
12.06
